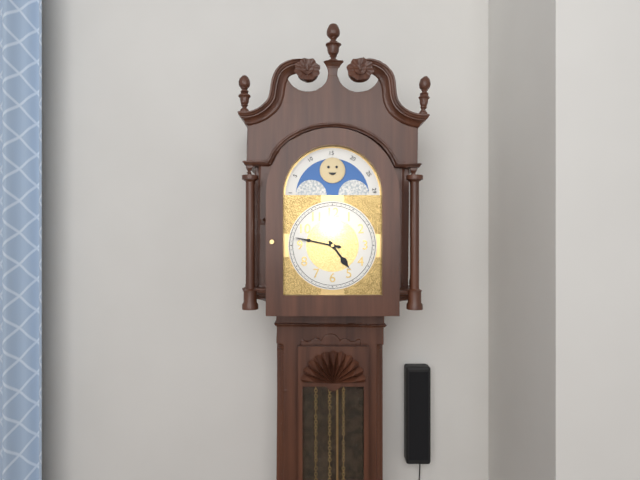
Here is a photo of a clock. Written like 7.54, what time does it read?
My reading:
4.47
